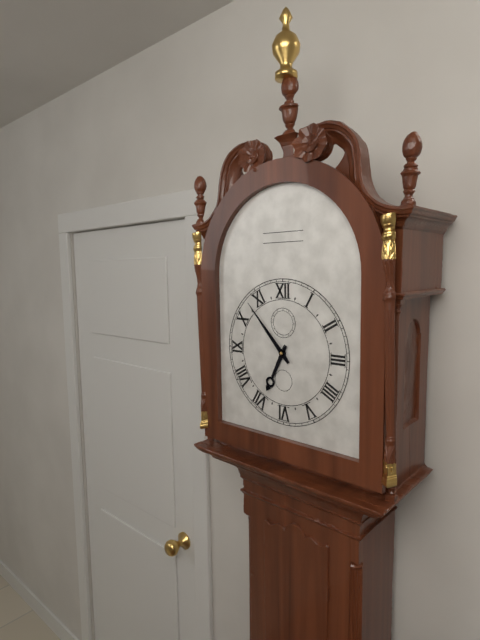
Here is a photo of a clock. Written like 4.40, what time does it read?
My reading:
6.53
